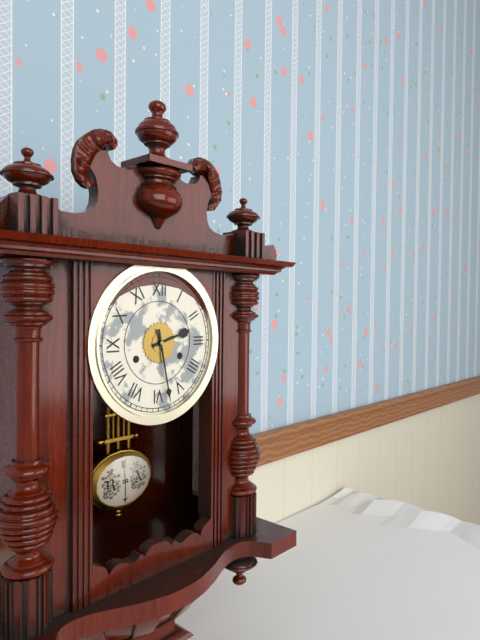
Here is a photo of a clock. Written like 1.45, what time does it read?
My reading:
2.28
